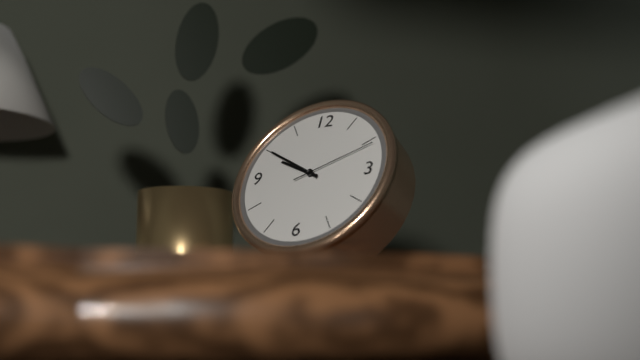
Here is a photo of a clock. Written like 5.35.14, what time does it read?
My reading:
9.50.11
